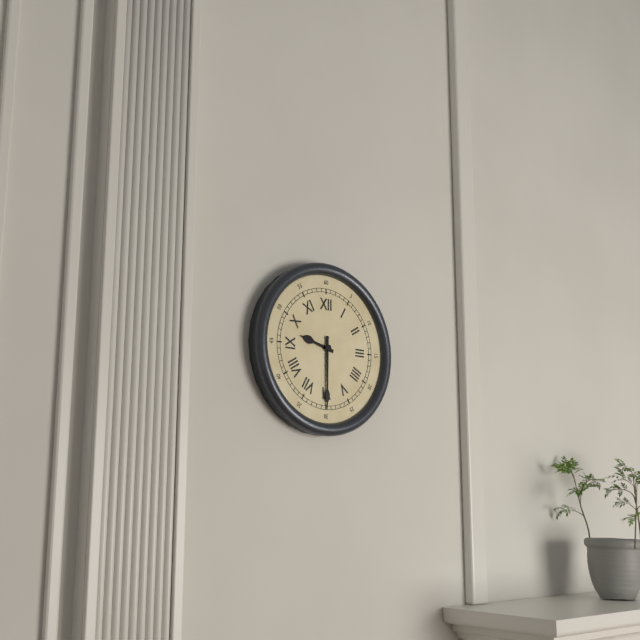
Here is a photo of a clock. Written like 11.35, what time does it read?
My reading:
9.30
